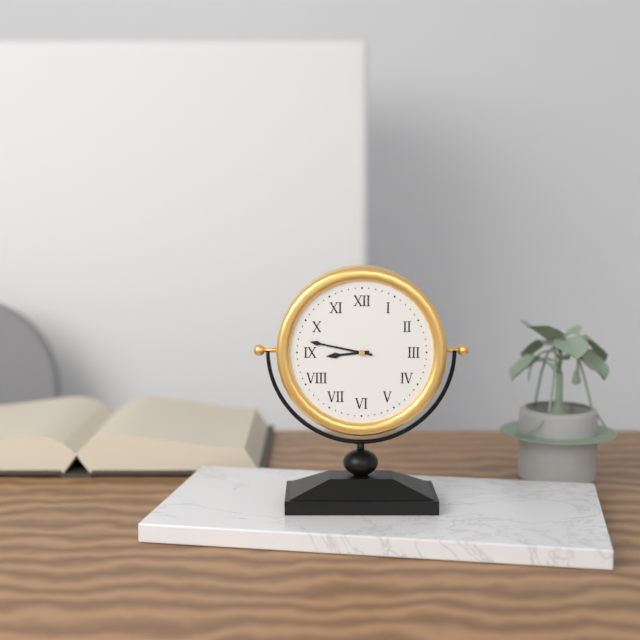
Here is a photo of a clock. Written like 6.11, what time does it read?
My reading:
8.47
